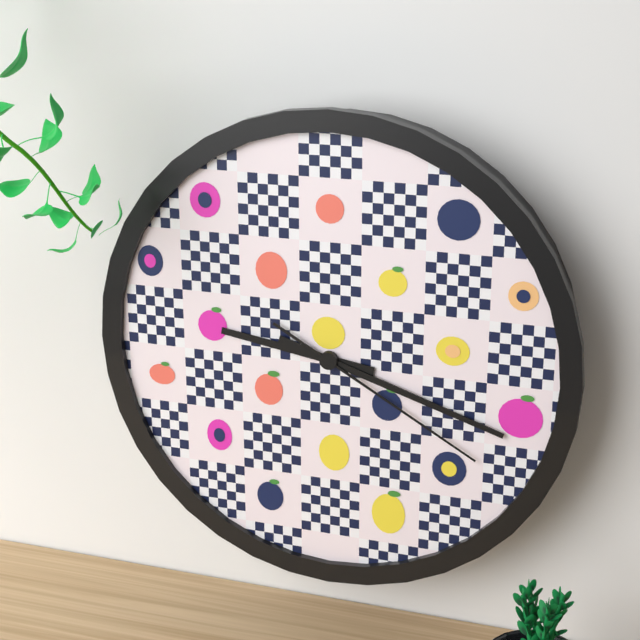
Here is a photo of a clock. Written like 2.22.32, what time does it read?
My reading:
9.18.20
